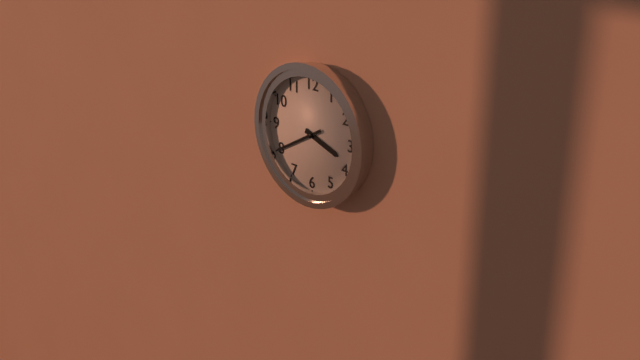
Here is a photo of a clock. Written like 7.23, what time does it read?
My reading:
3.40
